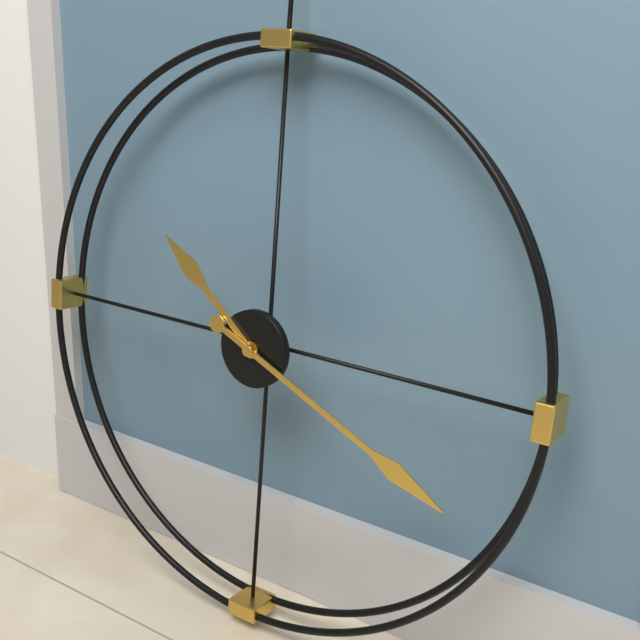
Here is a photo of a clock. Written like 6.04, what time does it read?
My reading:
10.19
